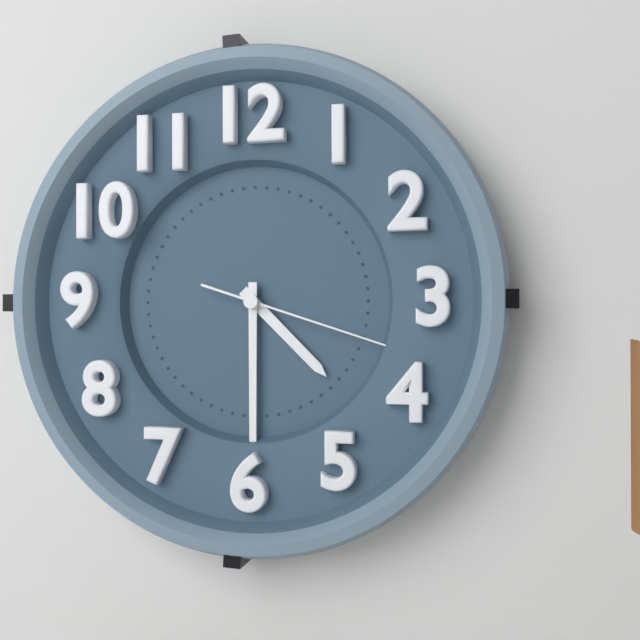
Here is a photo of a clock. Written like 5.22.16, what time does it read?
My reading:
4.30.18
